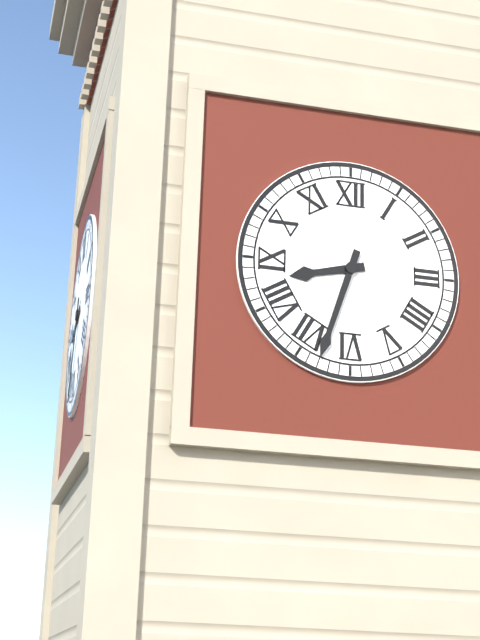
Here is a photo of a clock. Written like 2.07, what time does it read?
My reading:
8.33
